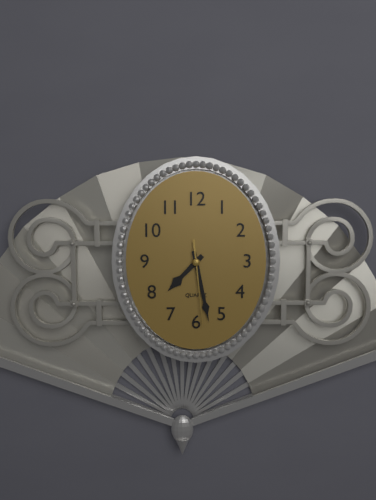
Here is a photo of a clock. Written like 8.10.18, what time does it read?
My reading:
7.28.29
